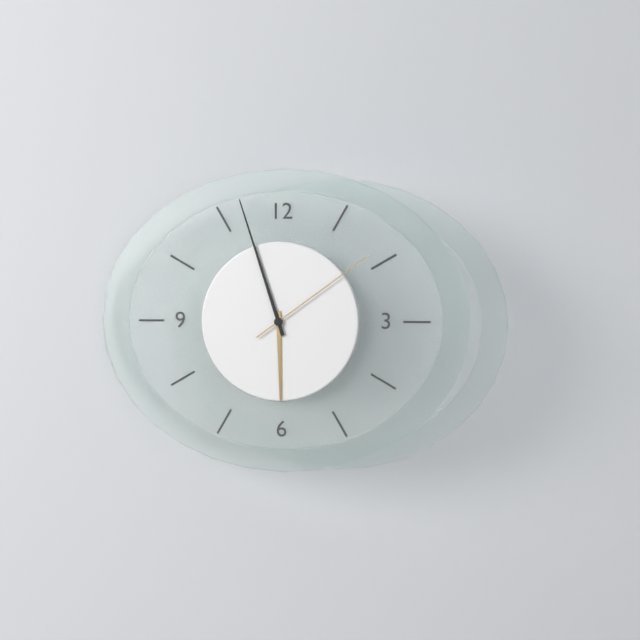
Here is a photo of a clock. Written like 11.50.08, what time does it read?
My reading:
5.57.09
